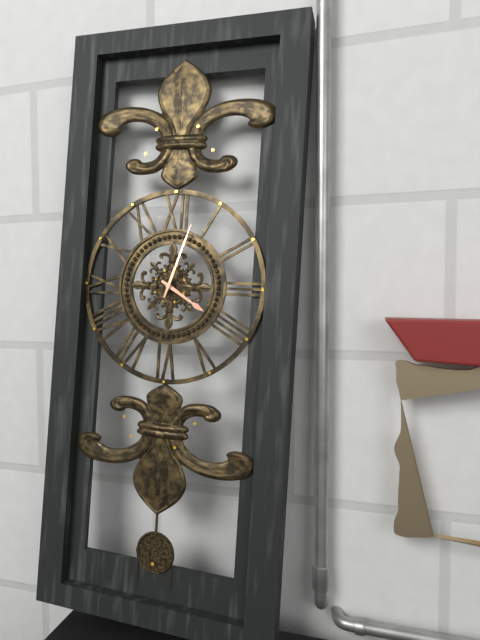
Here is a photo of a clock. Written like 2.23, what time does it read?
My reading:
4.03
